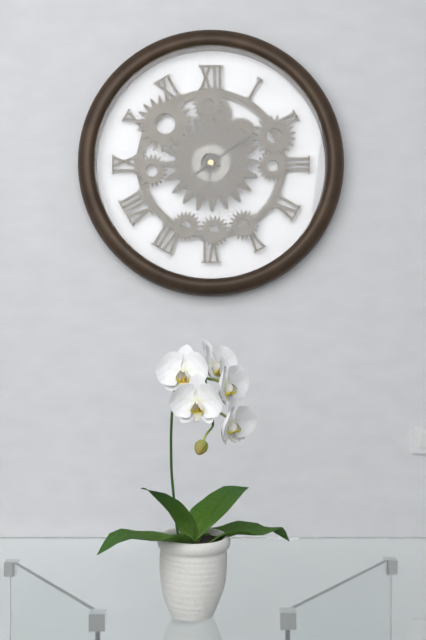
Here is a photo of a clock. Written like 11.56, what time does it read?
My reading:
6.09
